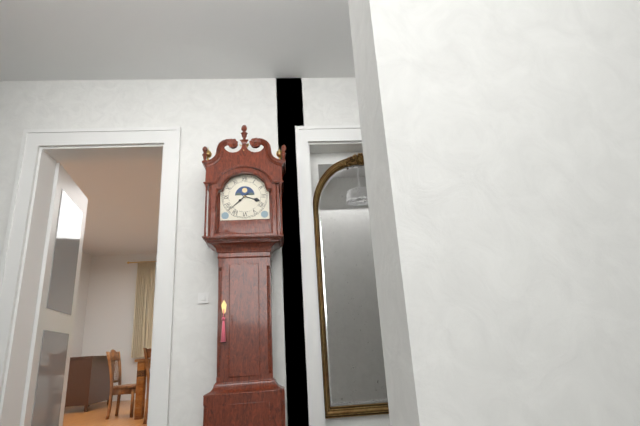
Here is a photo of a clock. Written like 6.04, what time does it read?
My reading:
3.38
